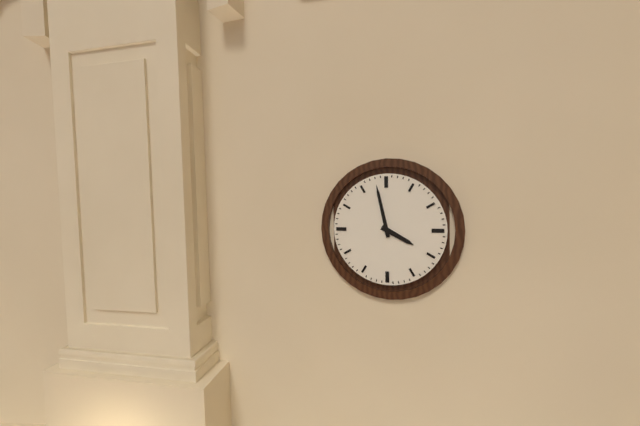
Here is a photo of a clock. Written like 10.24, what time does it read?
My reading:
3.58
